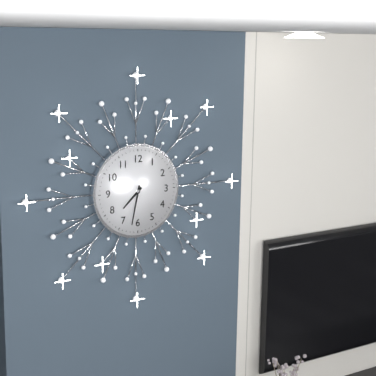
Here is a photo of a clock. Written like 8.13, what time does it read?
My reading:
7.32
